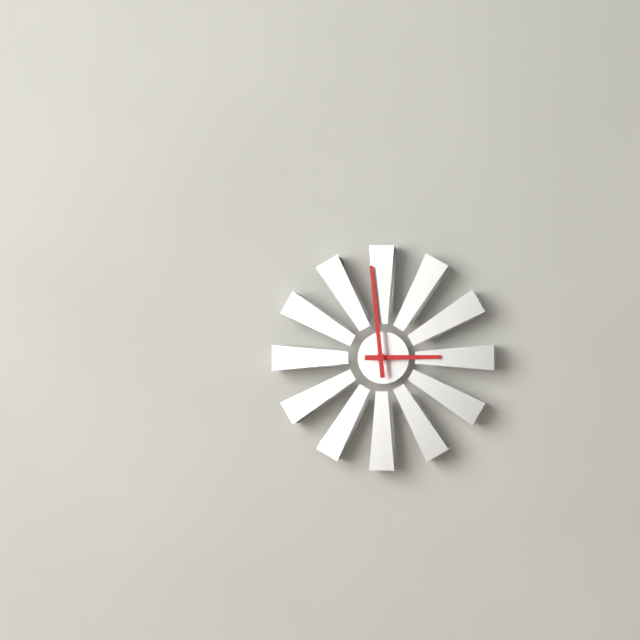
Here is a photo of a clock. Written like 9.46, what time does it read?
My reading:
2.59
